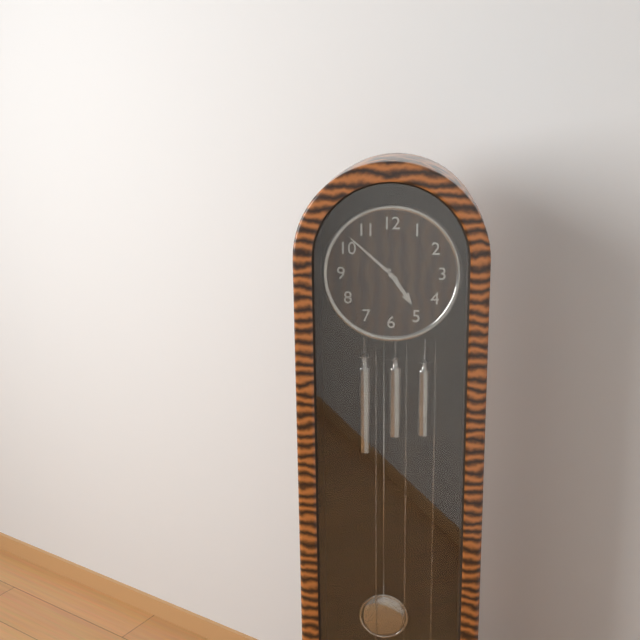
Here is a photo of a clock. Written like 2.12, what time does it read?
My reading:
4.52
